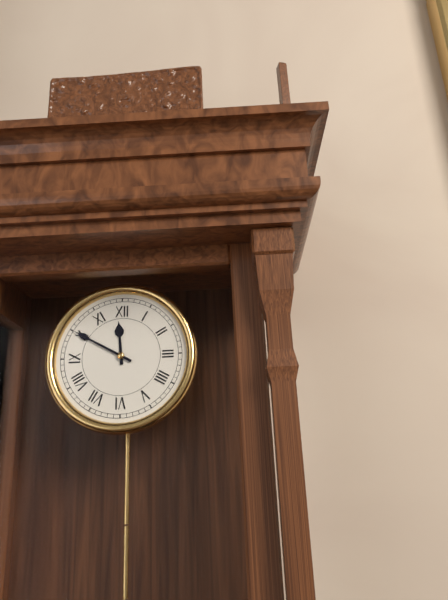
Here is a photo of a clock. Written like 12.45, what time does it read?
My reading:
11.50
